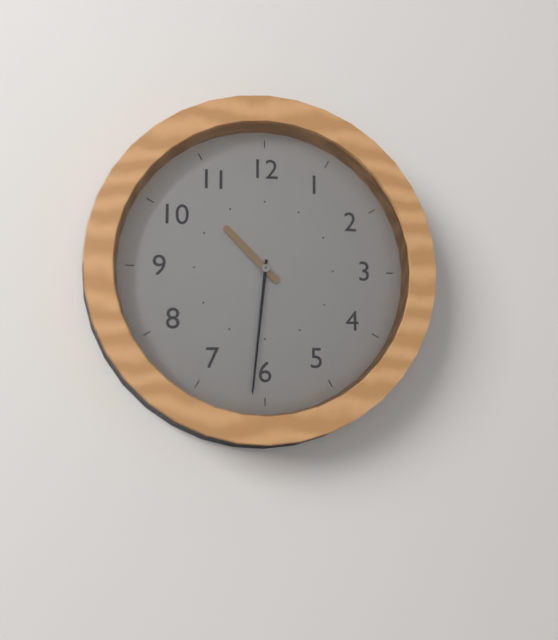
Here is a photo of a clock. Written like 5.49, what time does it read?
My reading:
10.31
